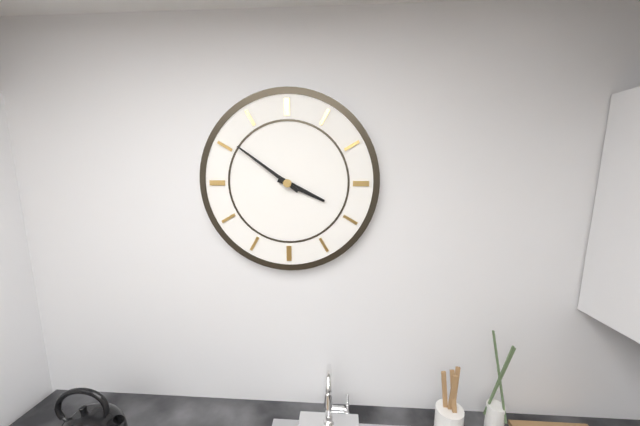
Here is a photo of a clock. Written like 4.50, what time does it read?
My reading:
3.51
